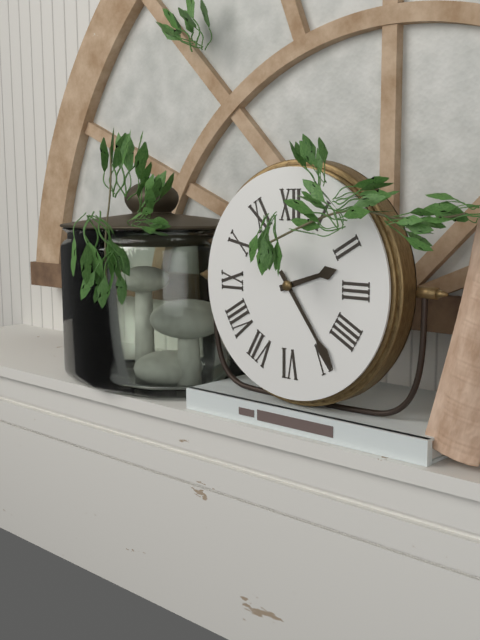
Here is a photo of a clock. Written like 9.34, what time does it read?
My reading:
2.24
